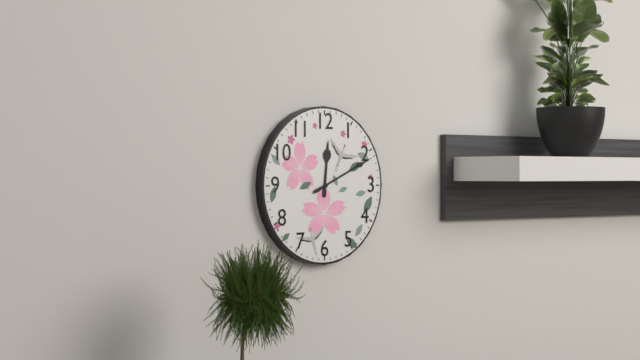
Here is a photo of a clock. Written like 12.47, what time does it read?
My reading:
12.11
